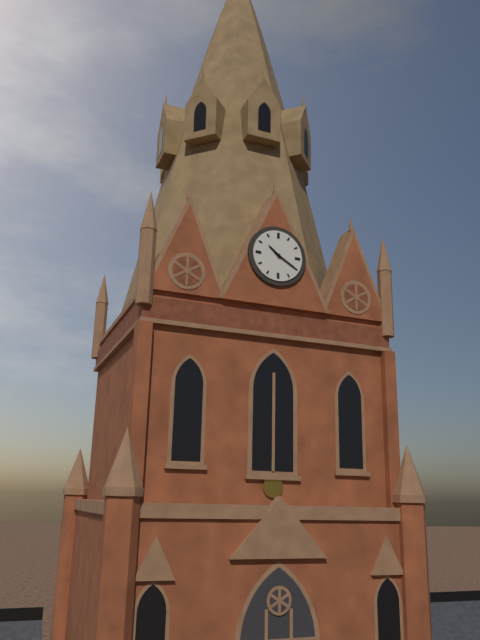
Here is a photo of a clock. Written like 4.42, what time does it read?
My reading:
10.20
